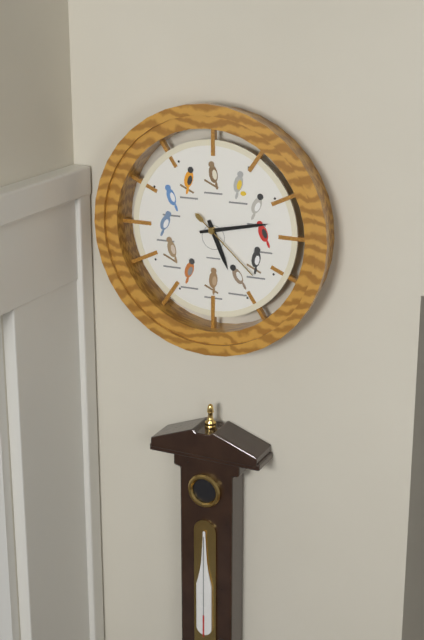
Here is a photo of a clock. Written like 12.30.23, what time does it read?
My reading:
5.13.22
